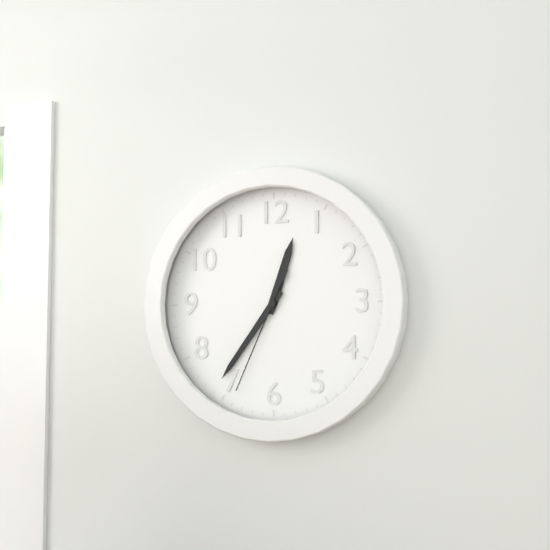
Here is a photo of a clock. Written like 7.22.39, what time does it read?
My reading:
12.36.34
